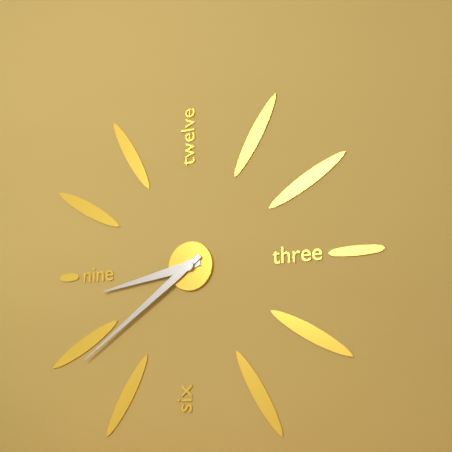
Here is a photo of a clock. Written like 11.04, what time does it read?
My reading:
8.39
